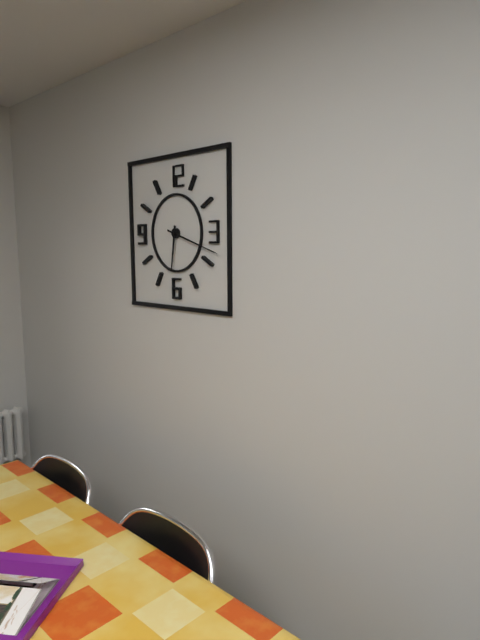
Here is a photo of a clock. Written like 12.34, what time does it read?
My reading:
6.18
